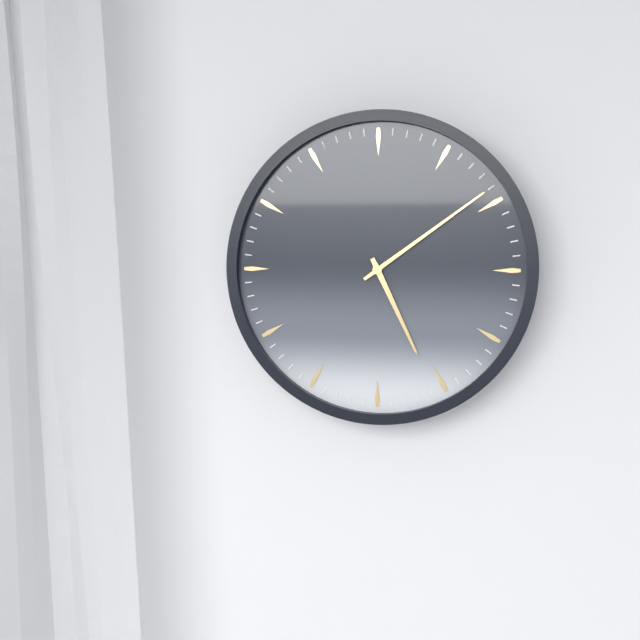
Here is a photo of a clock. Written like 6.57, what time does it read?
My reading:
5.09
